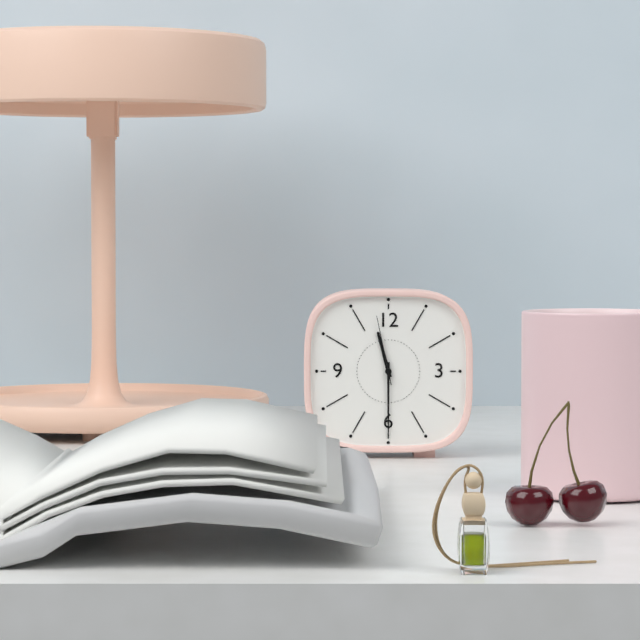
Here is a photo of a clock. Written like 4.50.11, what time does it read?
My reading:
11.30.58
